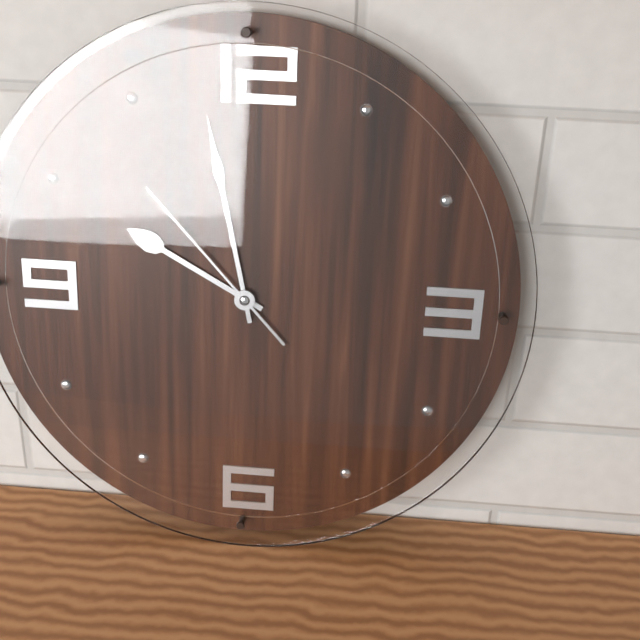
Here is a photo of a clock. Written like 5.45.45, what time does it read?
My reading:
9.58.53
